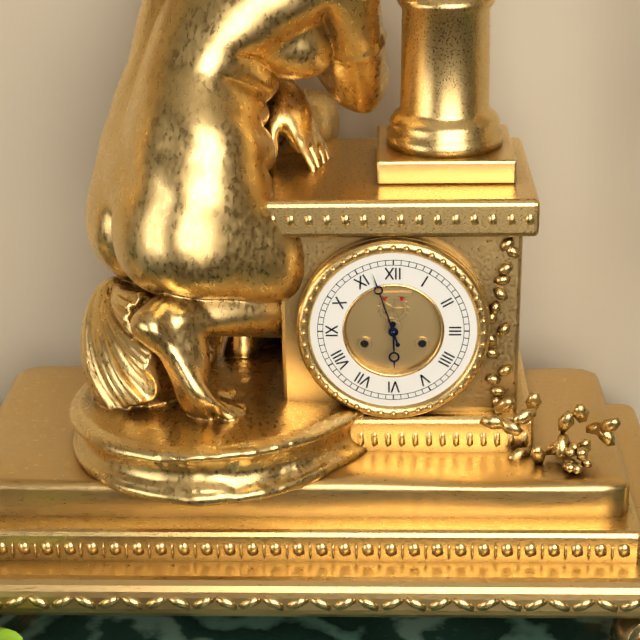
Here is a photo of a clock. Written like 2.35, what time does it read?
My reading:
5.57
